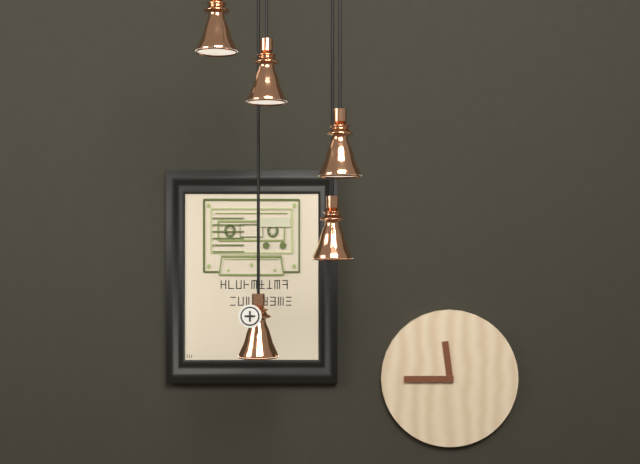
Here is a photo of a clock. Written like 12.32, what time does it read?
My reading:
11.45
